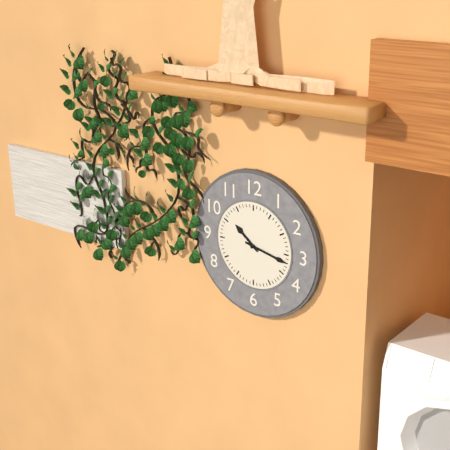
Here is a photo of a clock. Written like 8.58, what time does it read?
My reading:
10.17
